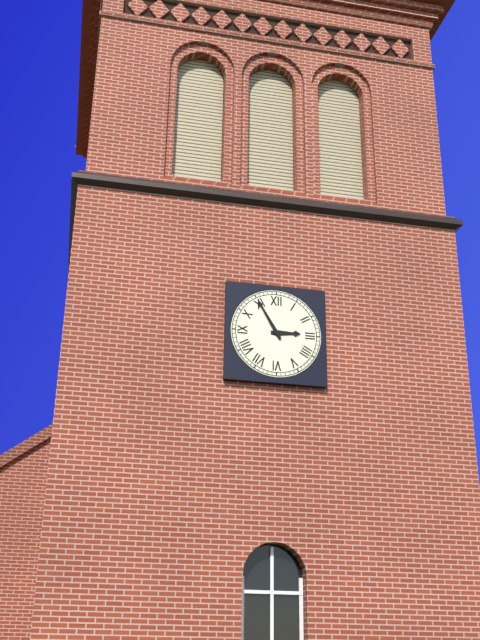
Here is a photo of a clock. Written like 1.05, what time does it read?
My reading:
2.55
